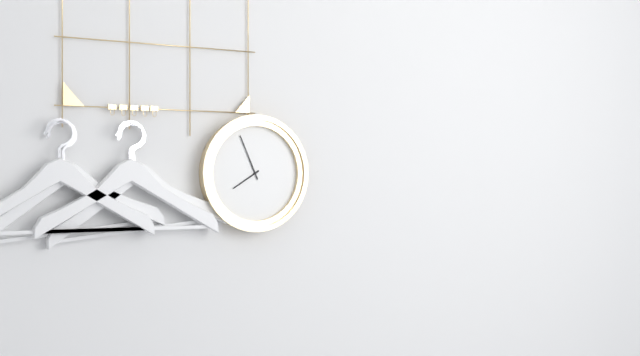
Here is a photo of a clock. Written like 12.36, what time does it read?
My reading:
7.56
